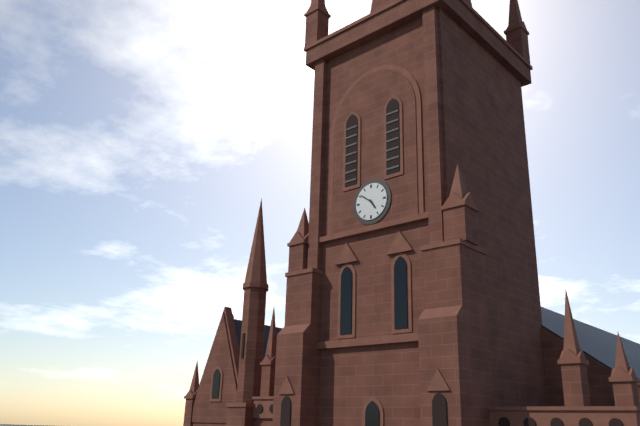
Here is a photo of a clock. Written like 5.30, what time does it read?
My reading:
4.51
